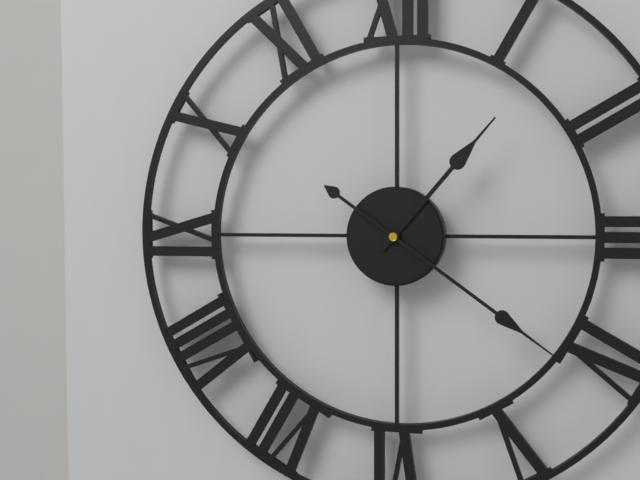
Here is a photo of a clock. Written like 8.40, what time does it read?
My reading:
1.21
